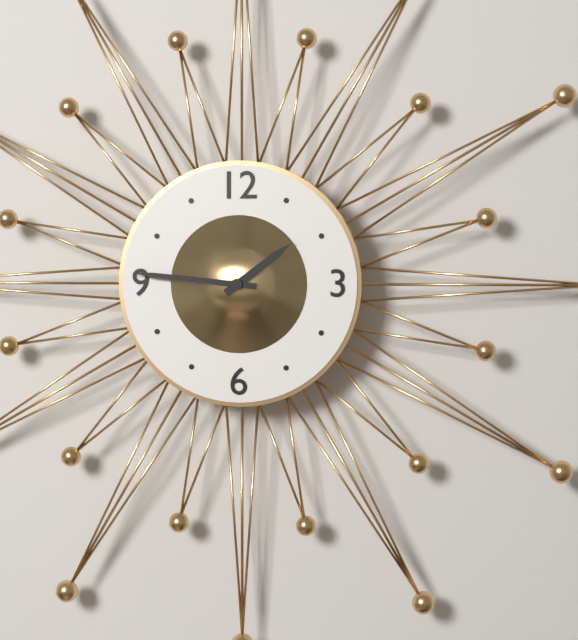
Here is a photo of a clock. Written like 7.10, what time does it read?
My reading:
1.46
